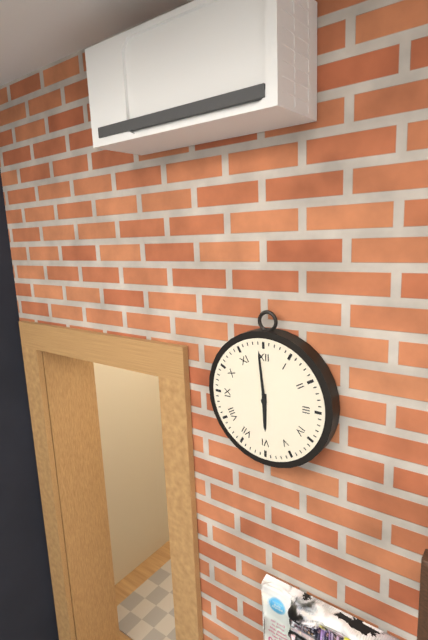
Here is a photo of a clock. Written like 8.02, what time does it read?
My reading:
5.59
